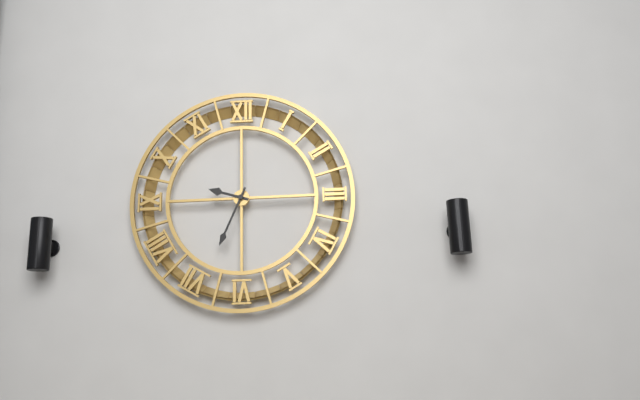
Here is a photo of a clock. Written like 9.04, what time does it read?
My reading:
9.34
